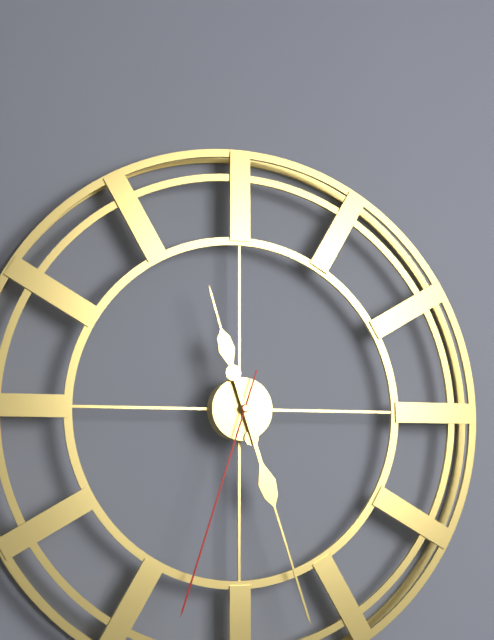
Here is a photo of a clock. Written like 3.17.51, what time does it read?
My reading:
11.27.33
